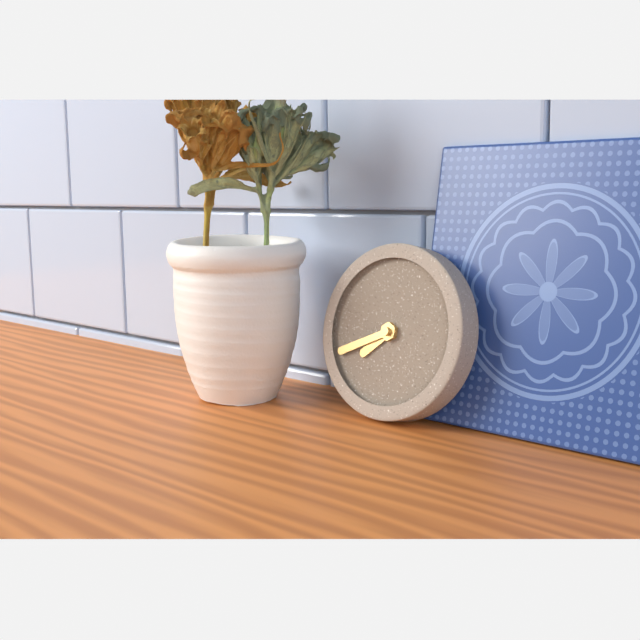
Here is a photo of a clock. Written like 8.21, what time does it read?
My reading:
7.41
